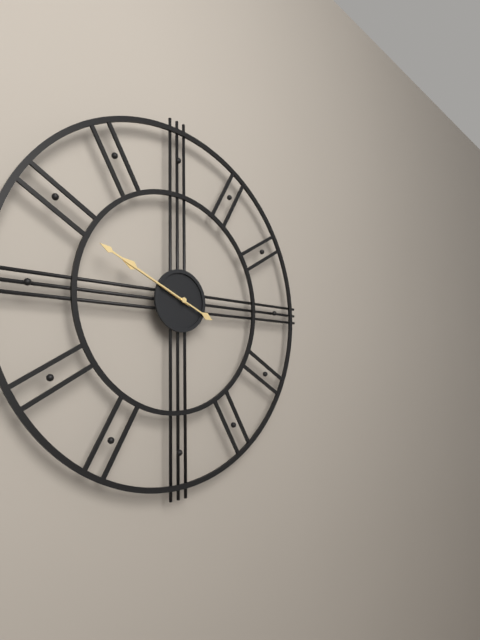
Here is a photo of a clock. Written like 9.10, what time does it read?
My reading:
9.49
